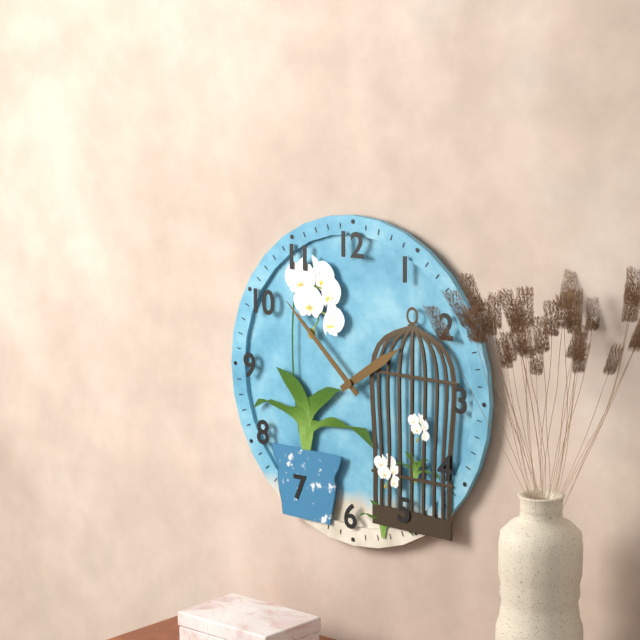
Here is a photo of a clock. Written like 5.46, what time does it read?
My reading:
1.52
